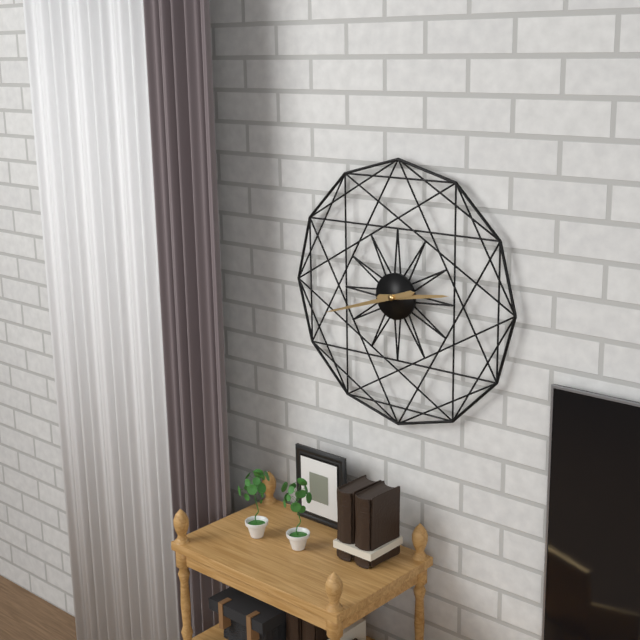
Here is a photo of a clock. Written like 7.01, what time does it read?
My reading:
2.42
